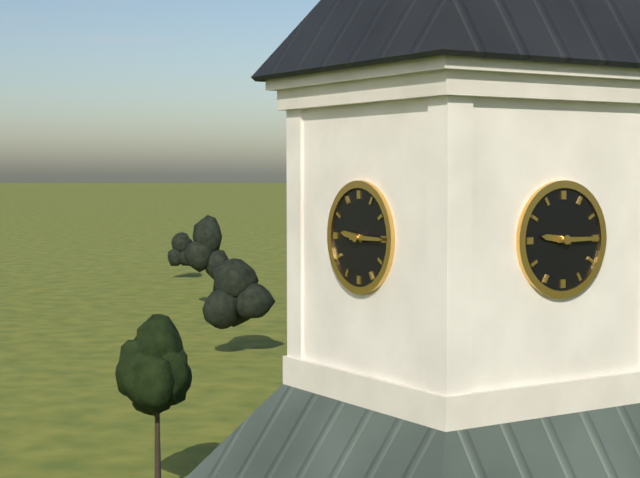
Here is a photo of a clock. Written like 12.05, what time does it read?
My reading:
9.15
